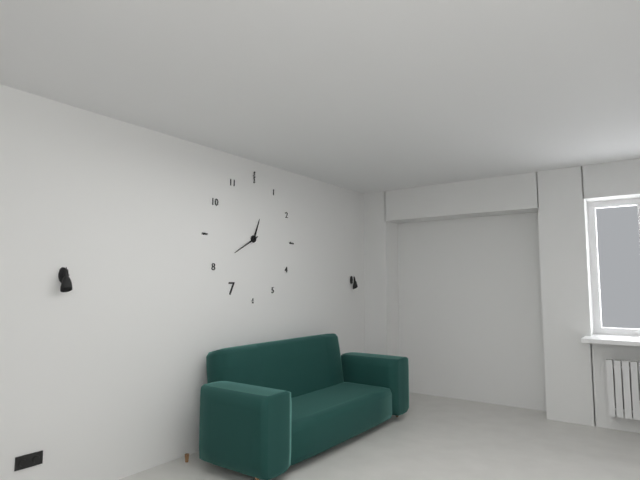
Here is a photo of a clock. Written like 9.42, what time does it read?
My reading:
12.40
